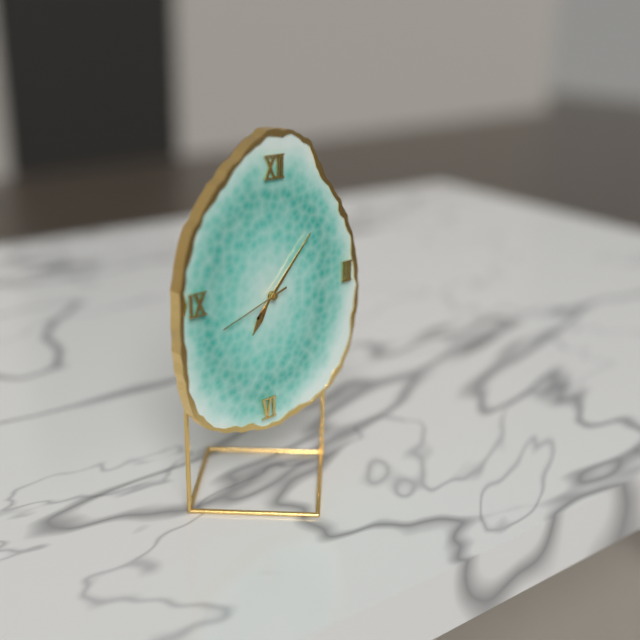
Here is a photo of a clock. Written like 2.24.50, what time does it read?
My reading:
7.07.42
